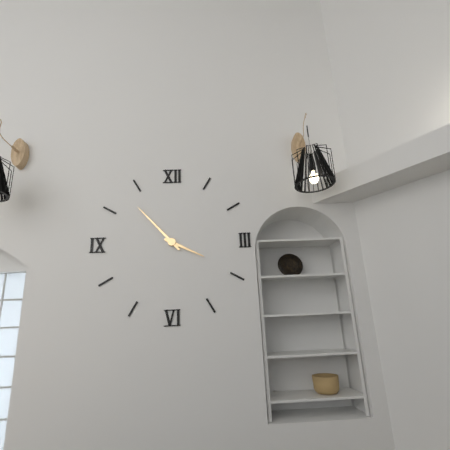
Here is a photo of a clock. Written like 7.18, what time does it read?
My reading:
3.53
